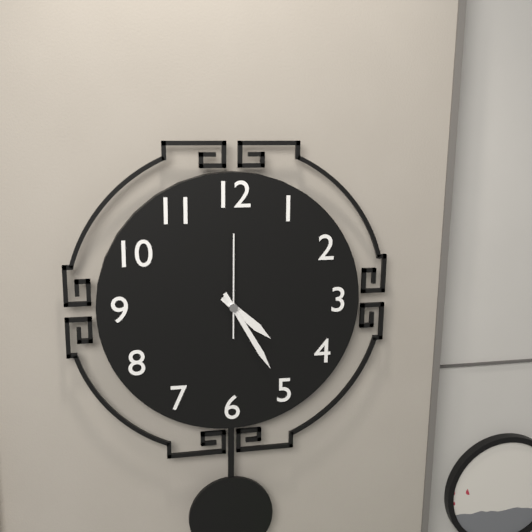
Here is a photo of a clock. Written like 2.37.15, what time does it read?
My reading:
4.25.00
